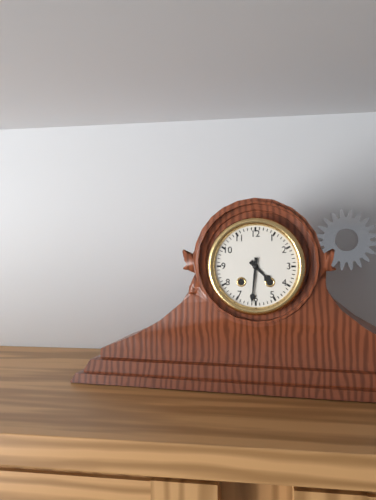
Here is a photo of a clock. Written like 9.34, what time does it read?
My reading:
4.31
